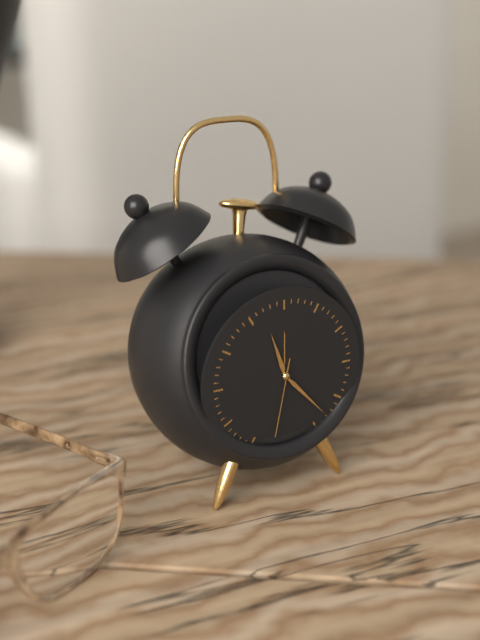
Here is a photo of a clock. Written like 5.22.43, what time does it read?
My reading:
11.23.32
